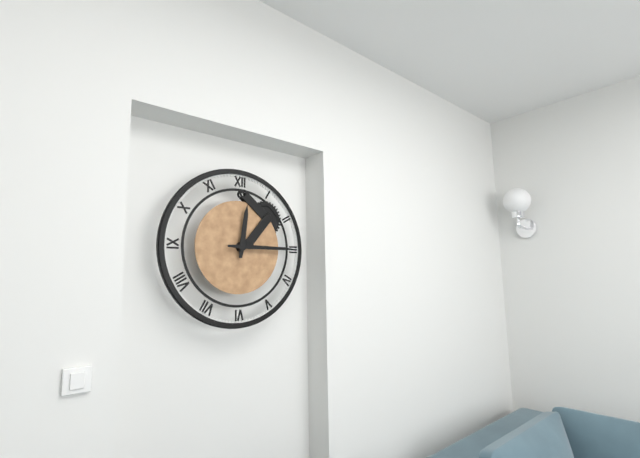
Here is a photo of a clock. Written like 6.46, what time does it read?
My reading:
12.15
